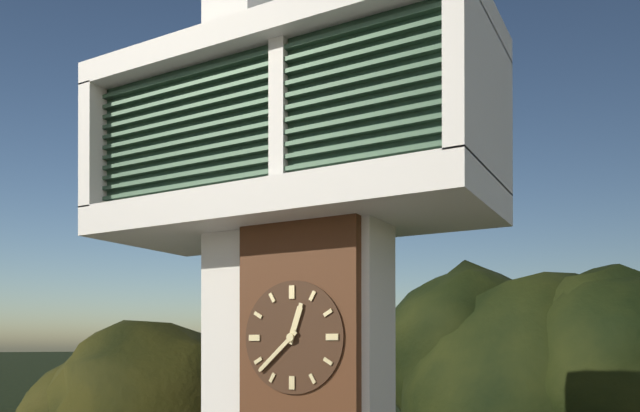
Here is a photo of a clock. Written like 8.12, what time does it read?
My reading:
12.38
